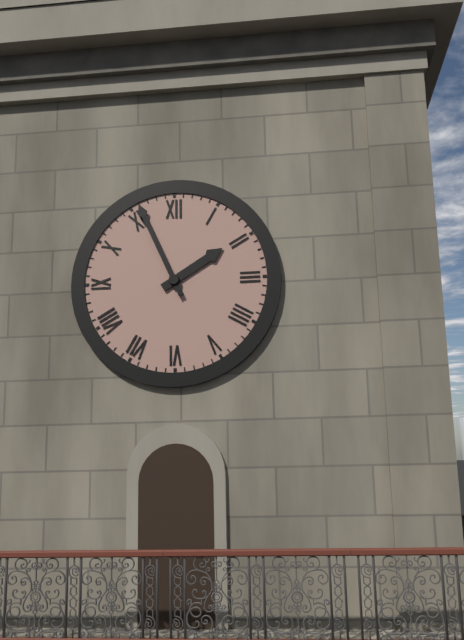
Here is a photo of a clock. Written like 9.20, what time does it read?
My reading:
1.56
